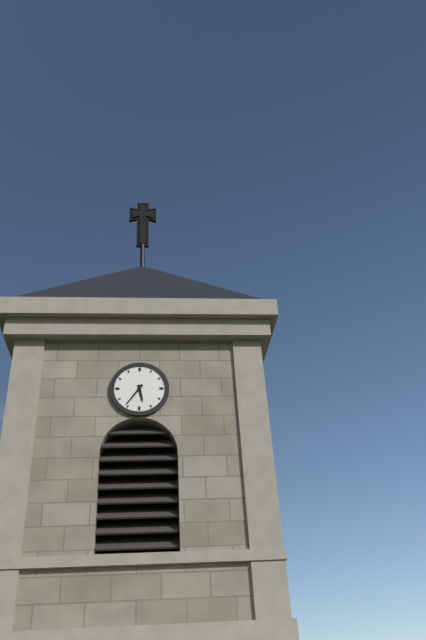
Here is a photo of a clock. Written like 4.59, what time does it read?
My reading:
5.36
